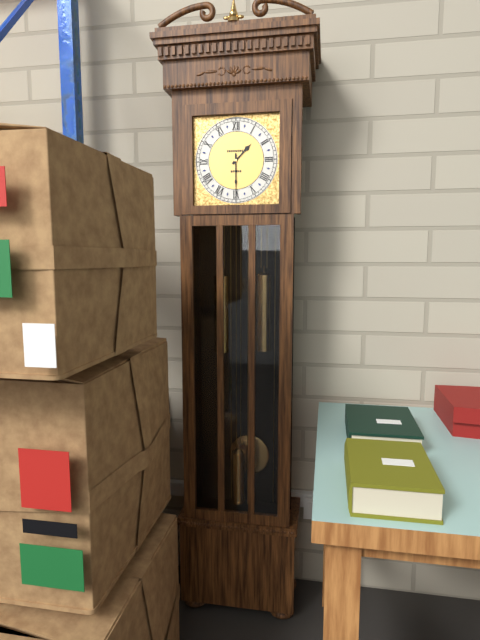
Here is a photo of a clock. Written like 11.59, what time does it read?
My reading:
1.30
